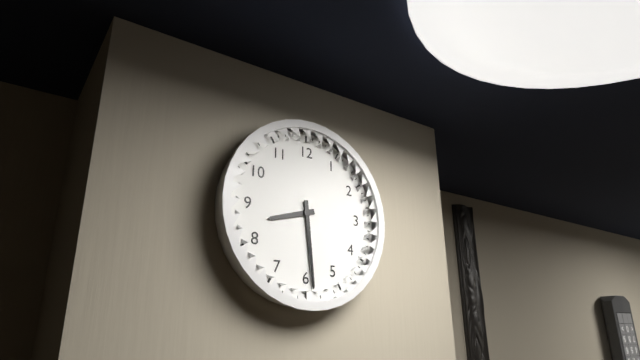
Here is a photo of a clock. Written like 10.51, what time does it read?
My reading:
8.29
